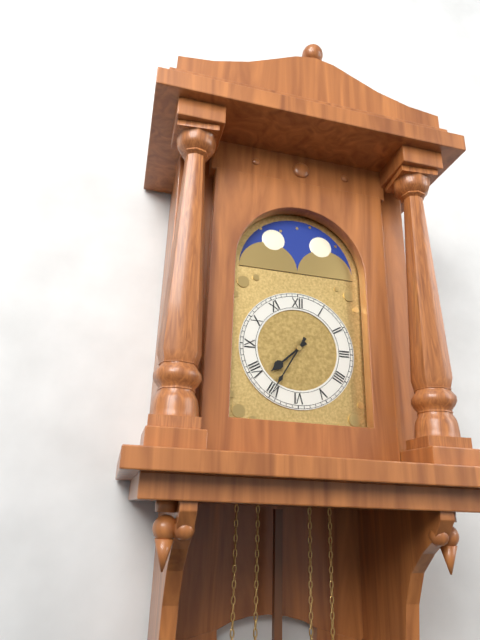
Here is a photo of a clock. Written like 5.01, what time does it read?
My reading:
7.35
